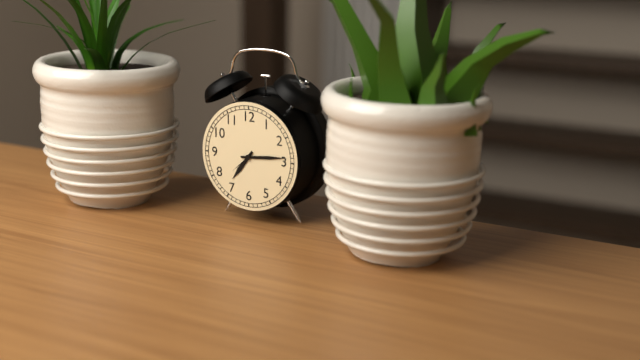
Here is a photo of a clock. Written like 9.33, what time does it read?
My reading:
7.14
